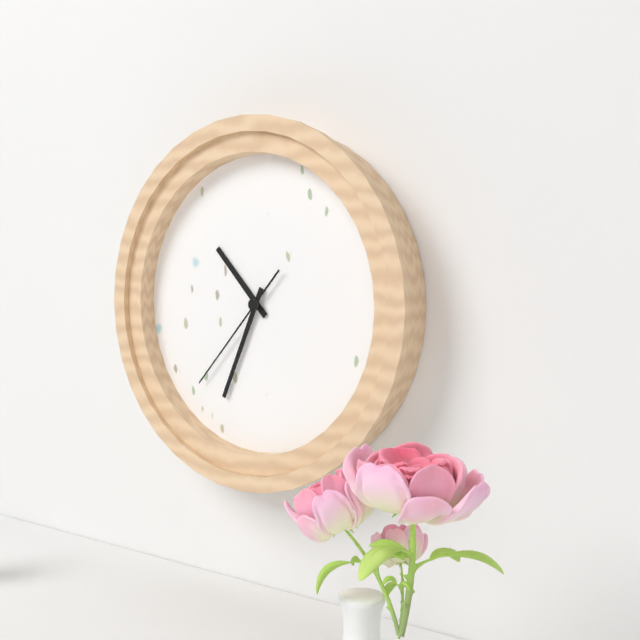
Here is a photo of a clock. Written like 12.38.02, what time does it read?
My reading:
10.34.37
